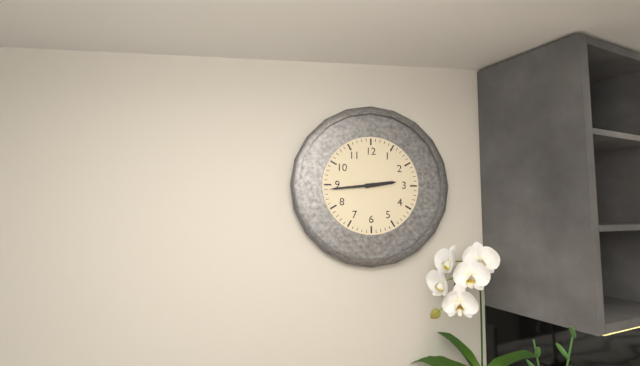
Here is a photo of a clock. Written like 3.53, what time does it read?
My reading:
2.44
